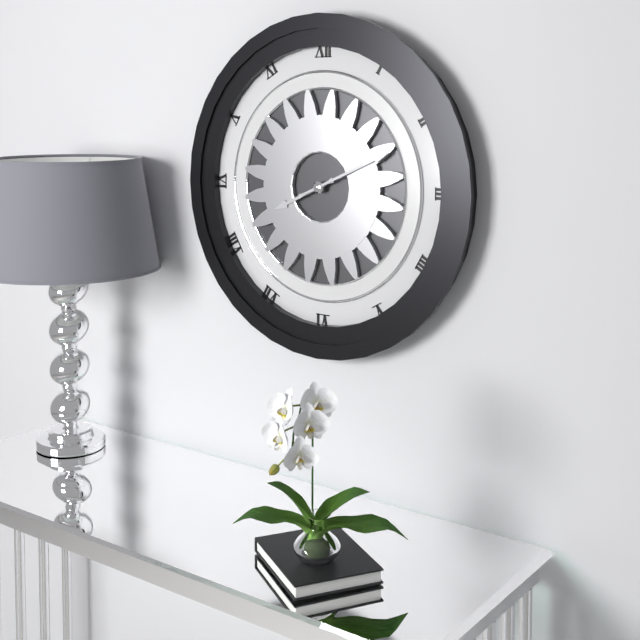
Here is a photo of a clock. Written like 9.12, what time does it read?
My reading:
8.11
